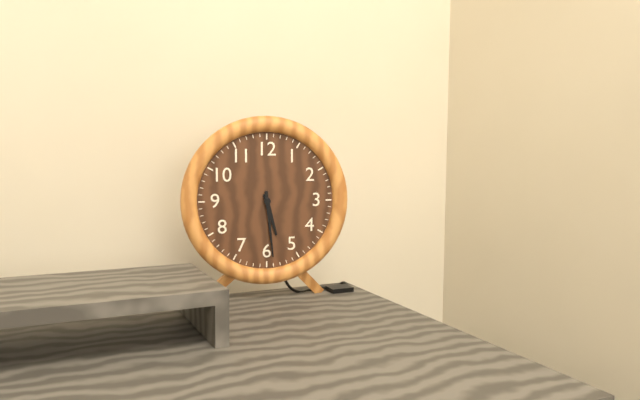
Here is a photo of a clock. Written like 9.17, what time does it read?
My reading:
5.29
